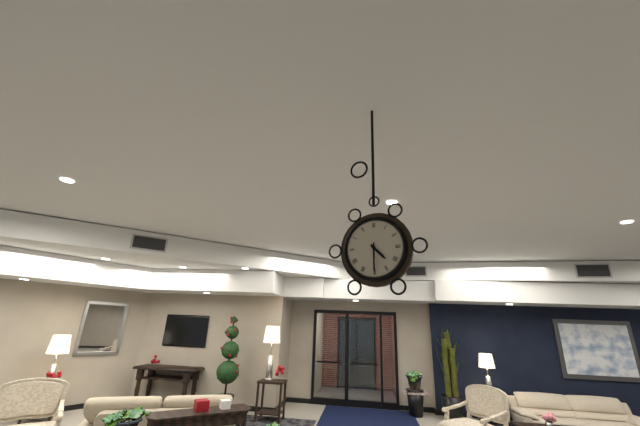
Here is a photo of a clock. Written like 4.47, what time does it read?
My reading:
4.30
